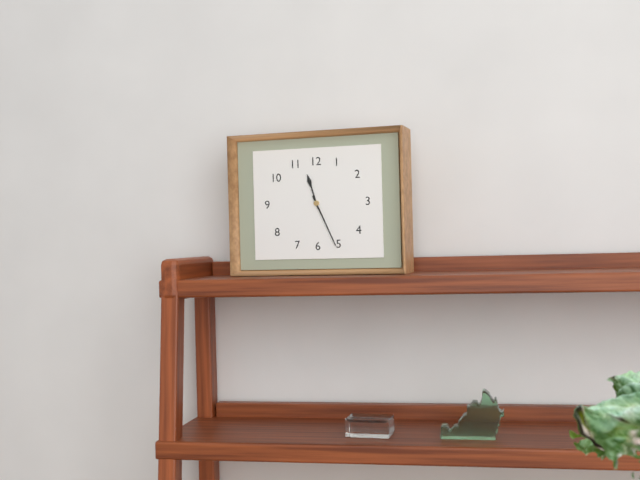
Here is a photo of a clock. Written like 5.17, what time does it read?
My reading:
11.26
